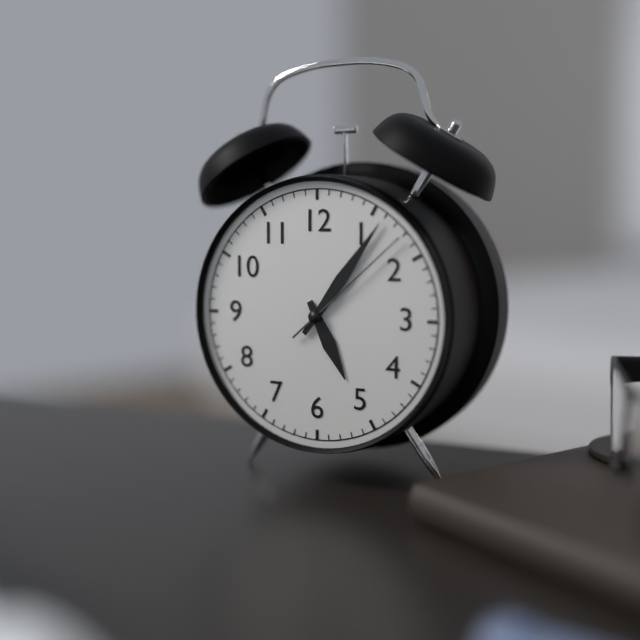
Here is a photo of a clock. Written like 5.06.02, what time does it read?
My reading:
5.06.08
